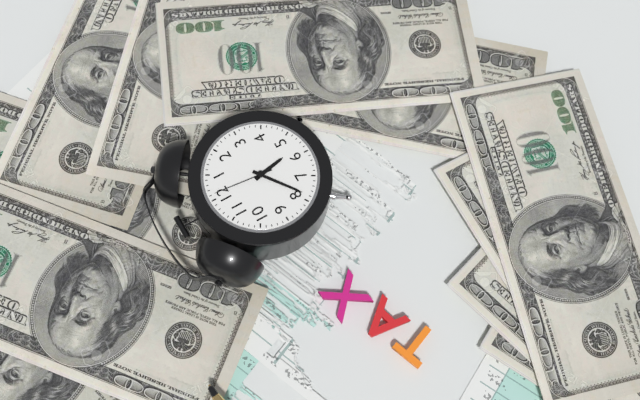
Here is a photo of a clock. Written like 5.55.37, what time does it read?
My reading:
5.39.01
